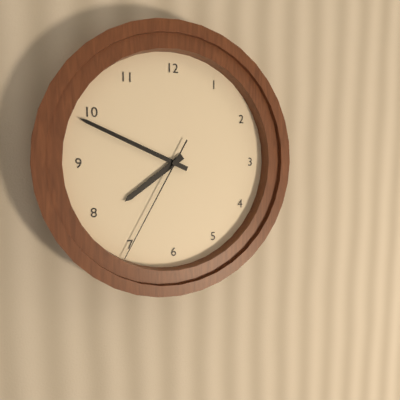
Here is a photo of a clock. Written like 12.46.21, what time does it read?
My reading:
7.49.35
